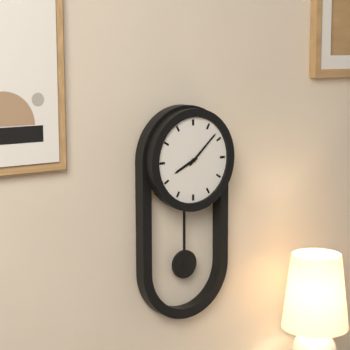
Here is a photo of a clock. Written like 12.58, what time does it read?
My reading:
8.08
